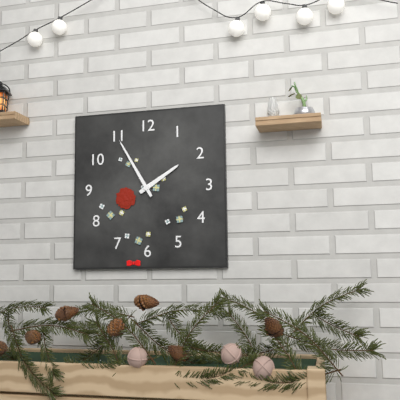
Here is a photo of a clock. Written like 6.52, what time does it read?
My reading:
1.55
